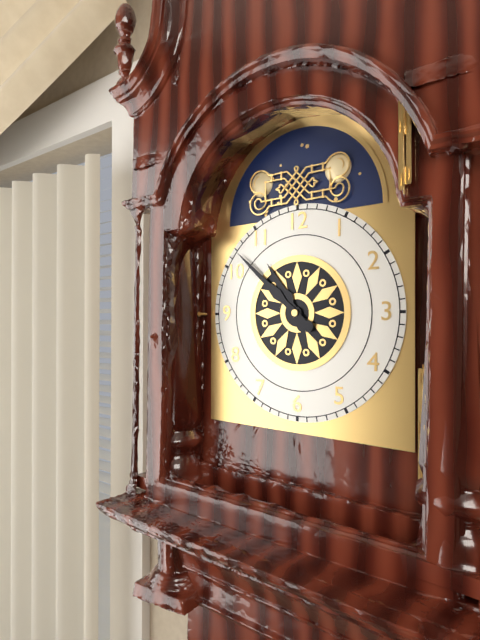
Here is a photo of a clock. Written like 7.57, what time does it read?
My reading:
10.52
